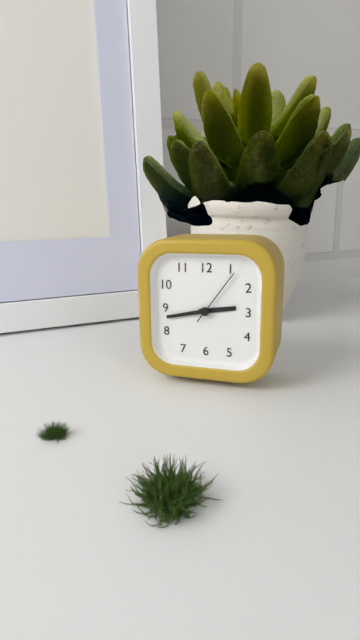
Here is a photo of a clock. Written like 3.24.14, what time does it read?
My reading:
2.43.06
